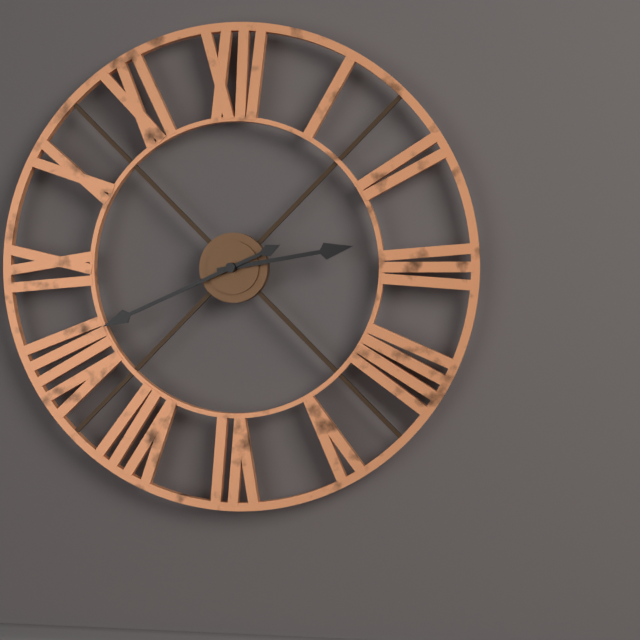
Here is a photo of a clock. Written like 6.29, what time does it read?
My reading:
2.41
